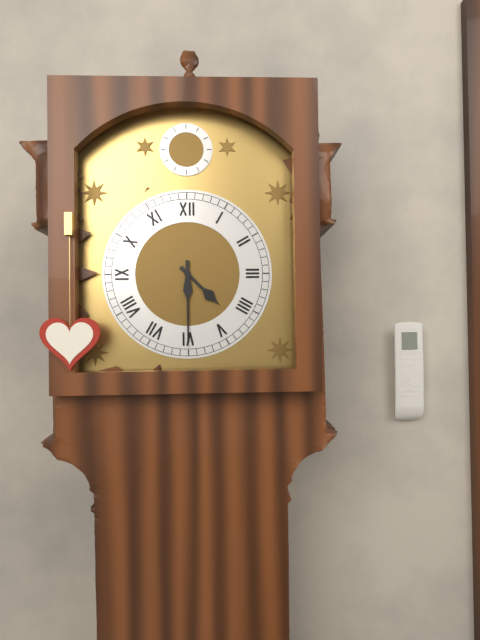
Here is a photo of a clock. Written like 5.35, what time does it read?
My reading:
4.30
